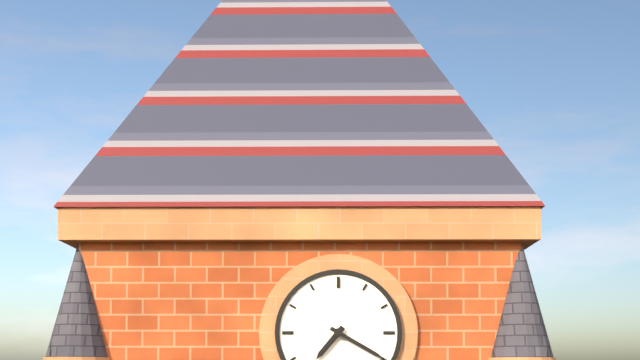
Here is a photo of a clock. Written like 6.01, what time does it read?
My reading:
7.20
